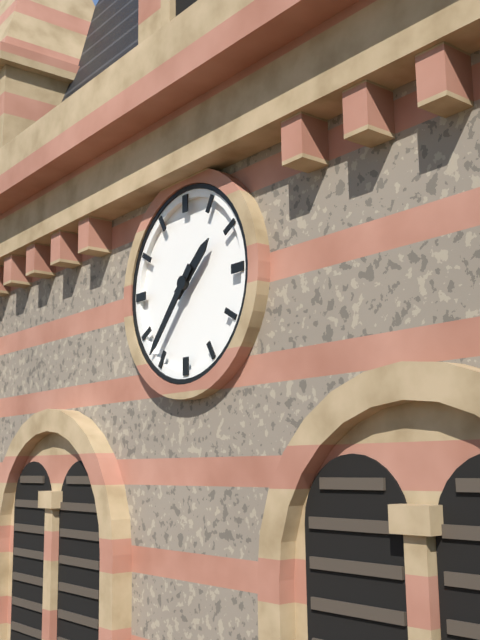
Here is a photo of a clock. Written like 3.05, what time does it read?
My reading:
1.37
